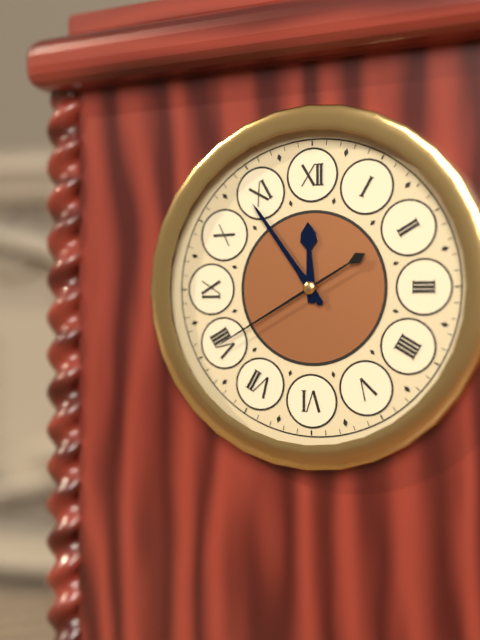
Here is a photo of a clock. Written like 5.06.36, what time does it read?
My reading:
11.54.40
